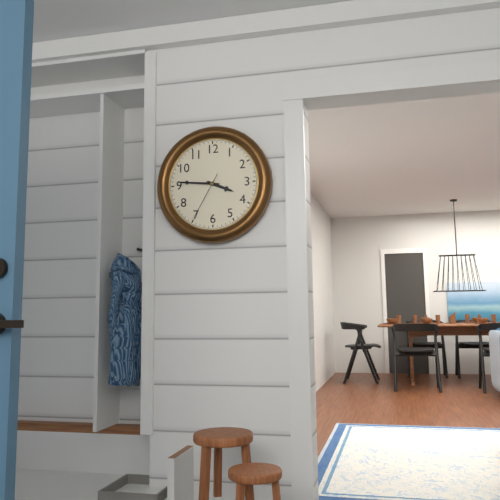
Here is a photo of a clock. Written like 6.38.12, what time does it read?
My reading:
3.46.35
